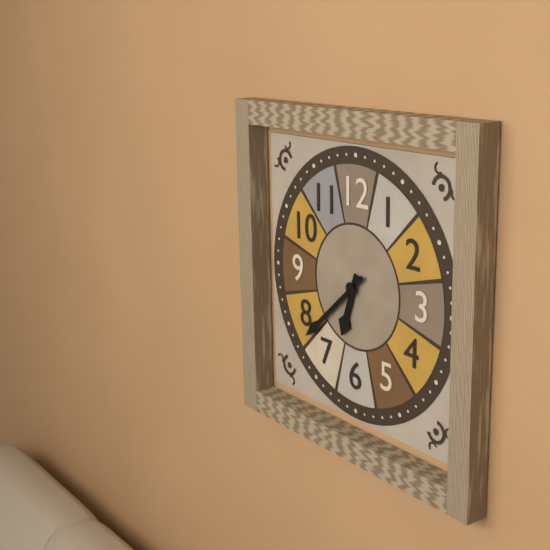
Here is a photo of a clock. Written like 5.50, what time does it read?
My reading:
6.38
